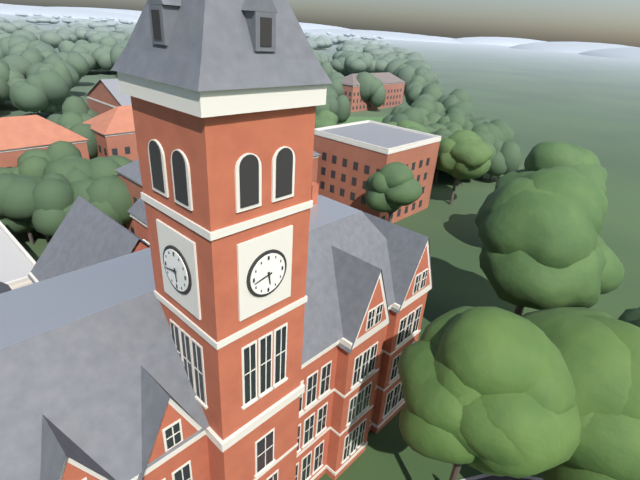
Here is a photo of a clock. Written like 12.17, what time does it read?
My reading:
5.43
